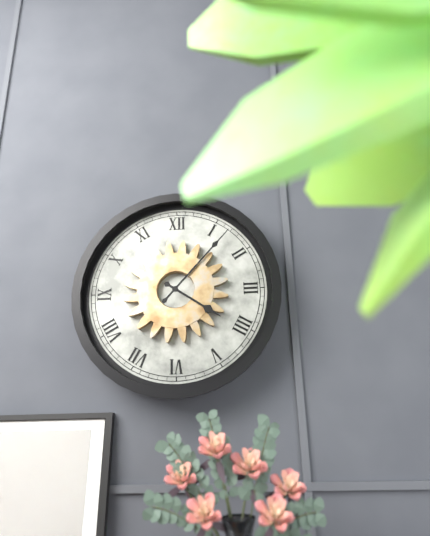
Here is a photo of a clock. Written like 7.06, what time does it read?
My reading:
4.07
